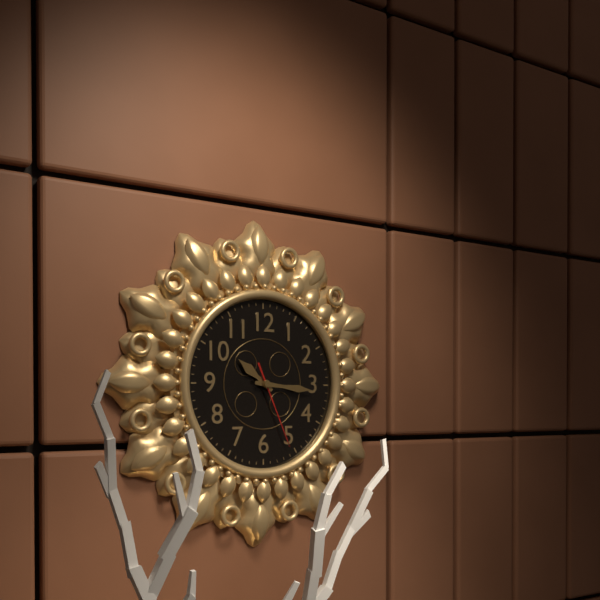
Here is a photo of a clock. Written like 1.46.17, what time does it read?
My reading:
10.16.26
